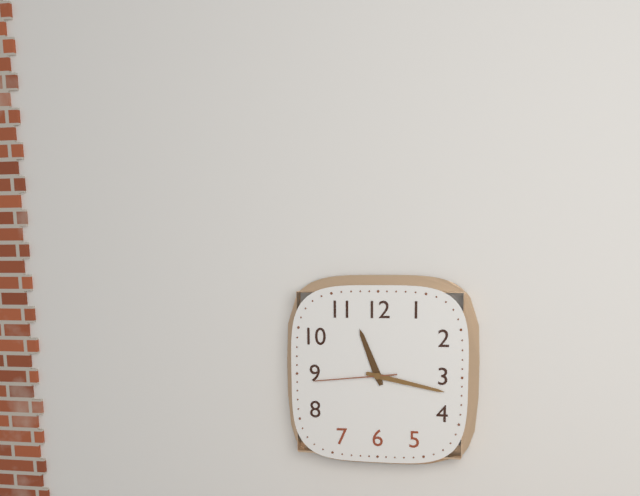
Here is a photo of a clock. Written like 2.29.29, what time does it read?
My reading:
11.17.44
